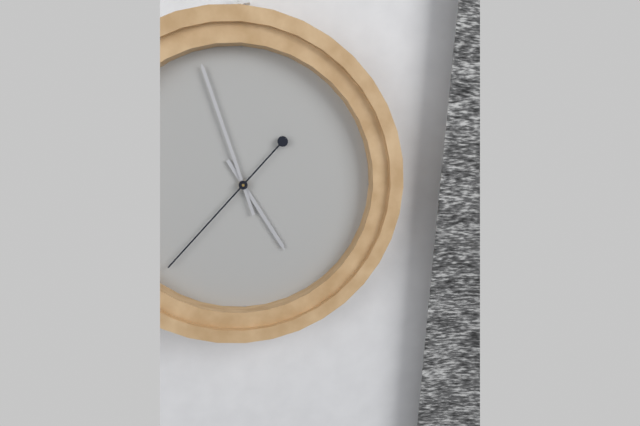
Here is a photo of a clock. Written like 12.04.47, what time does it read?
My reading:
4.57.37
